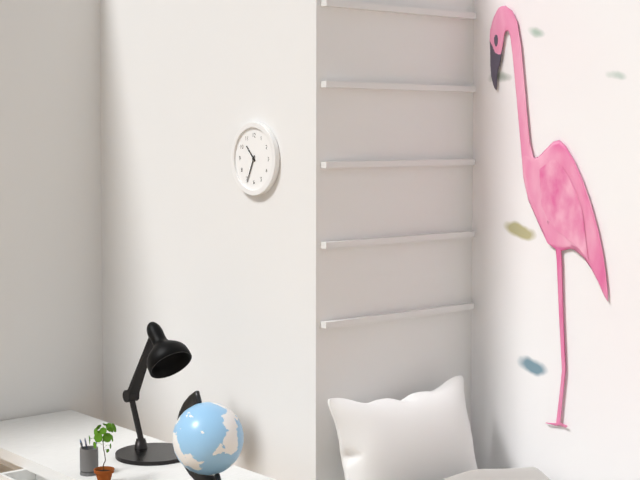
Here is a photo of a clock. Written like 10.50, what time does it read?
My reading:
10.34
